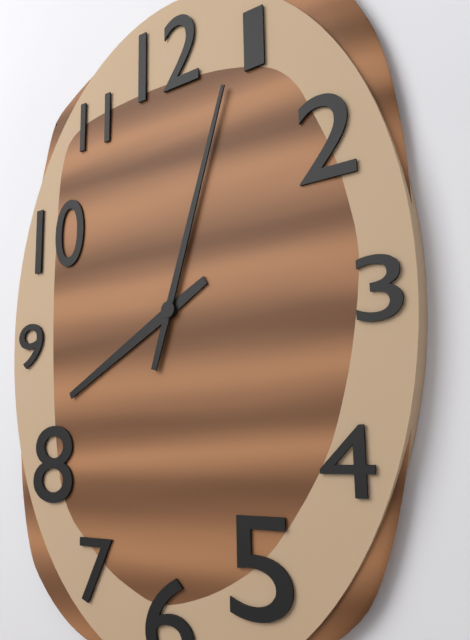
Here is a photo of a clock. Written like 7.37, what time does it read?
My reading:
8.03
